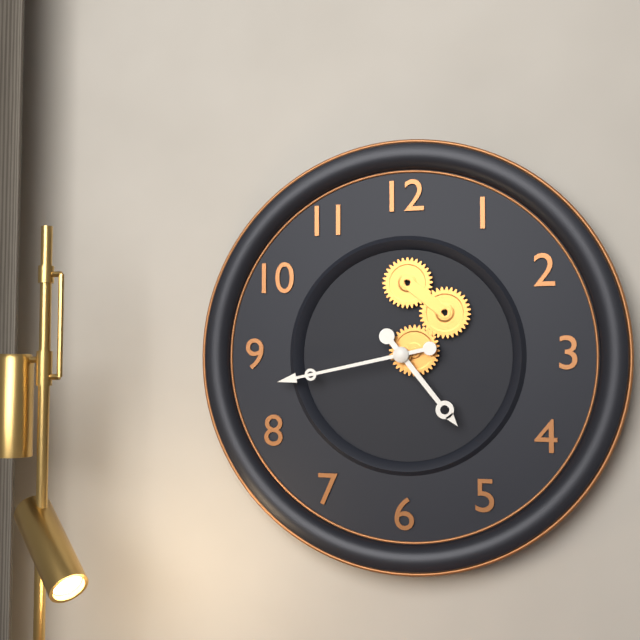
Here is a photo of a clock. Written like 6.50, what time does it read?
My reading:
4.43
